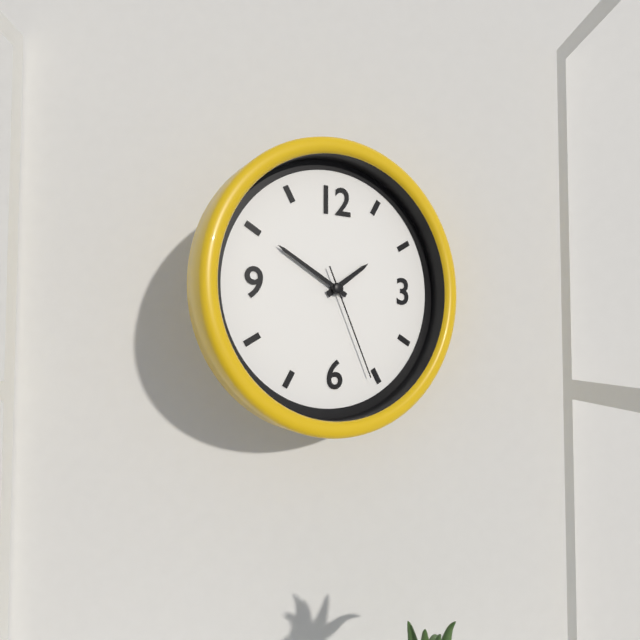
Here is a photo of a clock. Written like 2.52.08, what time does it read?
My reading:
1.50.26
